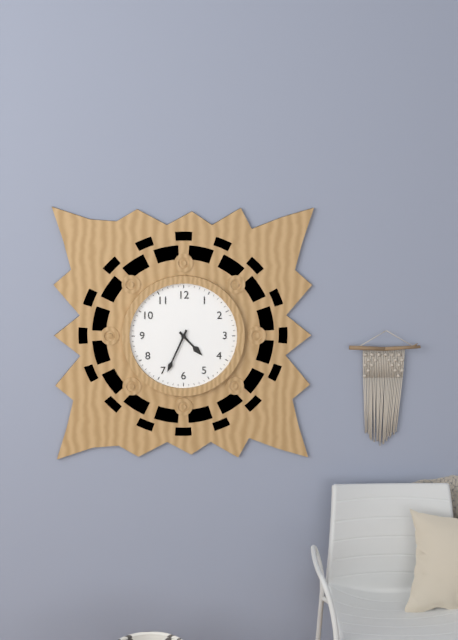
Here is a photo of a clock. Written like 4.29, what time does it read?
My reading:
4.34
